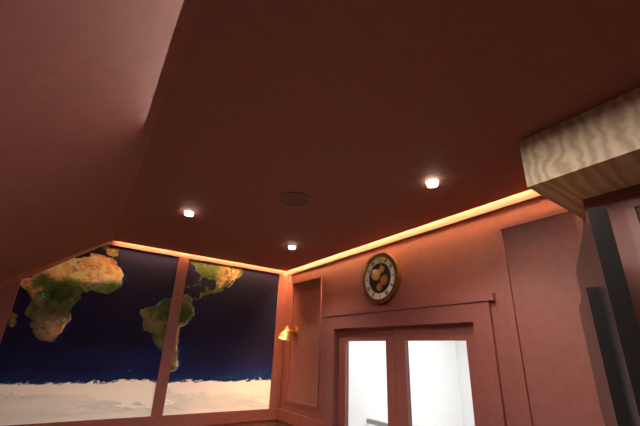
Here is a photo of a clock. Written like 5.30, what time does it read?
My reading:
1.03
